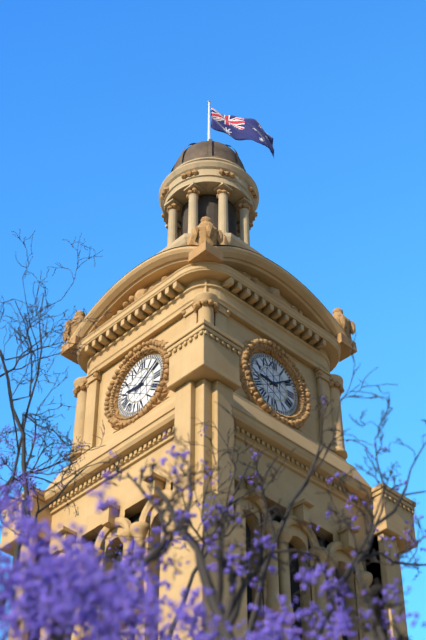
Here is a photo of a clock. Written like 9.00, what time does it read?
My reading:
9.09
